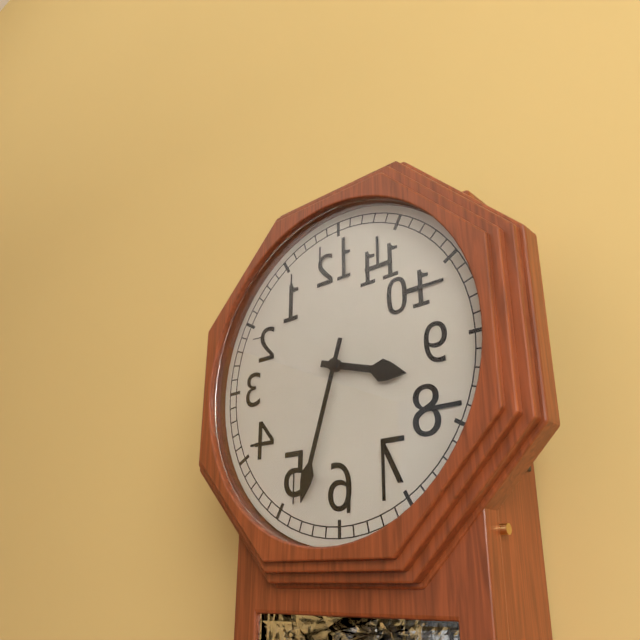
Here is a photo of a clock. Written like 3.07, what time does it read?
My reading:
3.33
